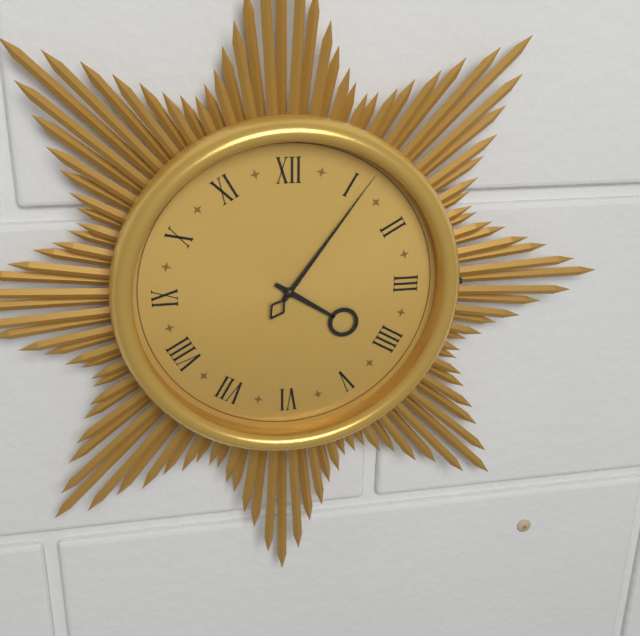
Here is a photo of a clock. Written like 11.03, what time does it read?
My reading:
4.06
